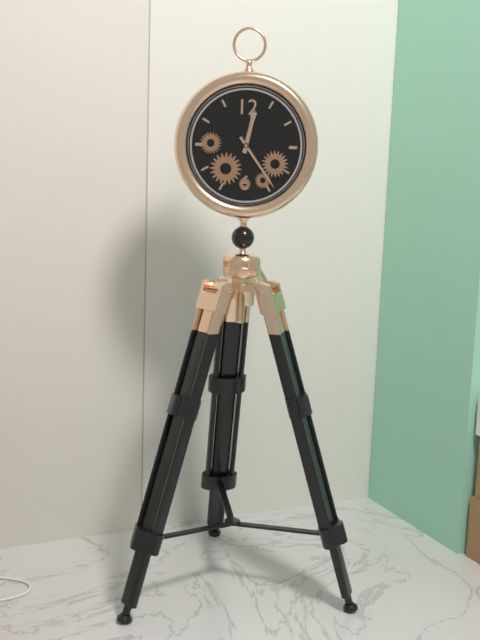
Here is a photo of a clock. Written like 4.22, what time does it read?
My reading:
12.24
